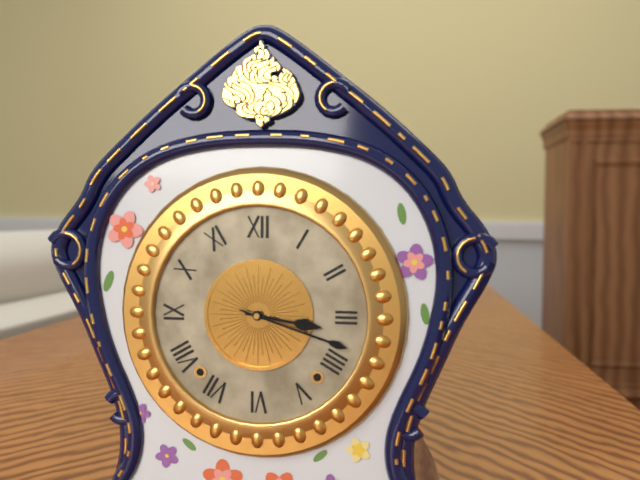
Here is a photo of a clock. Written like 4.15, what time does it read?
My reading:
3.18
